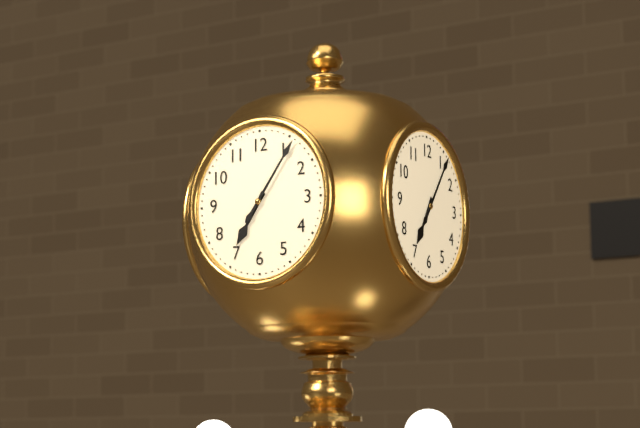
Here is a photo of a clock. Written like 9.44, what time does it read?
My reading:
7.06
